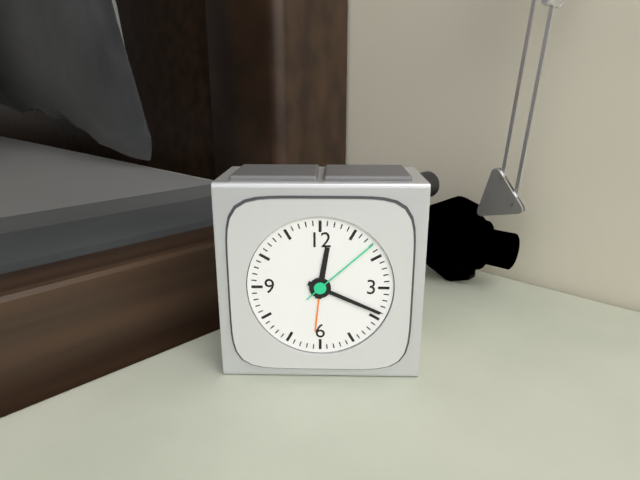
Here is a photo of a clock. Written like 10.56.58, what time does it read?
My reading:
12.19.08
